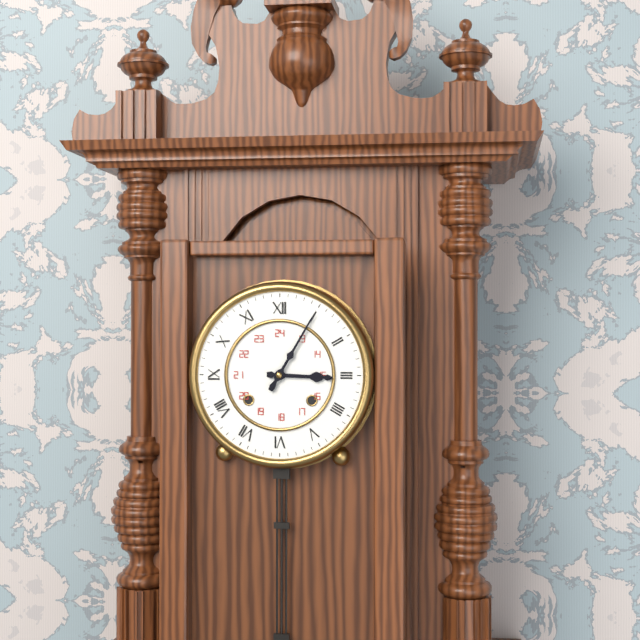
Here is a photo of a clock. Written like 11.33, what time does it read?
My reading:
3.05
